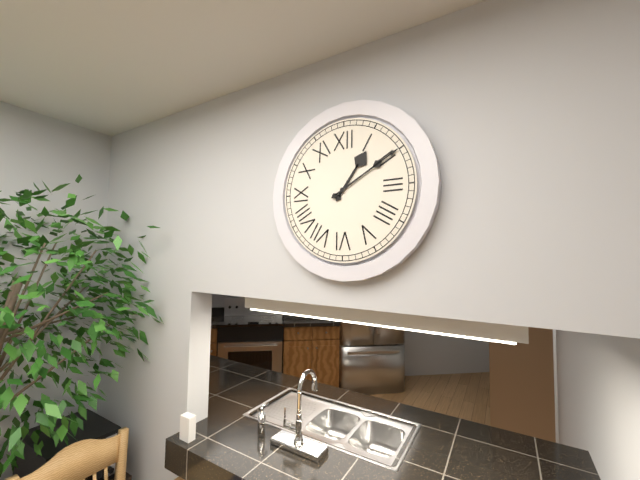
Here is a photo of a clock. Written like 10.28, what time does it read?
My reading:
1.10
